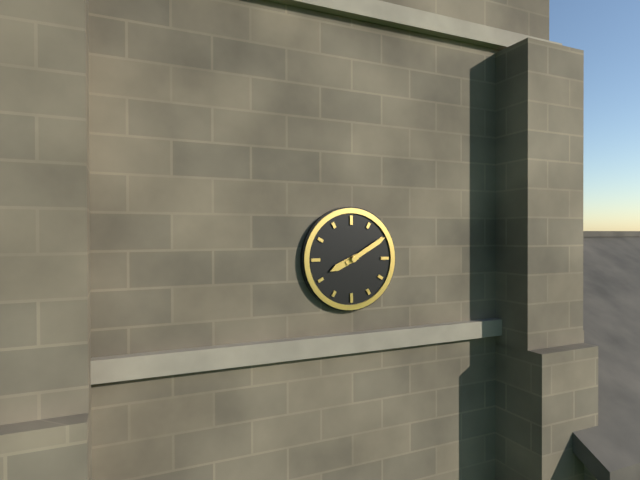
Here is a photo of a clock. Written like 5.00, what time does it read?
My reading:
8.10
